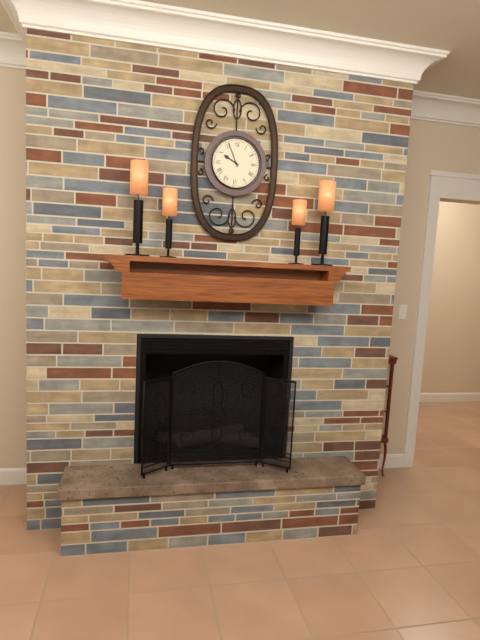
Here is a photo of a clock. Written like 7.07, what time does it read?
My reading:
9.56
